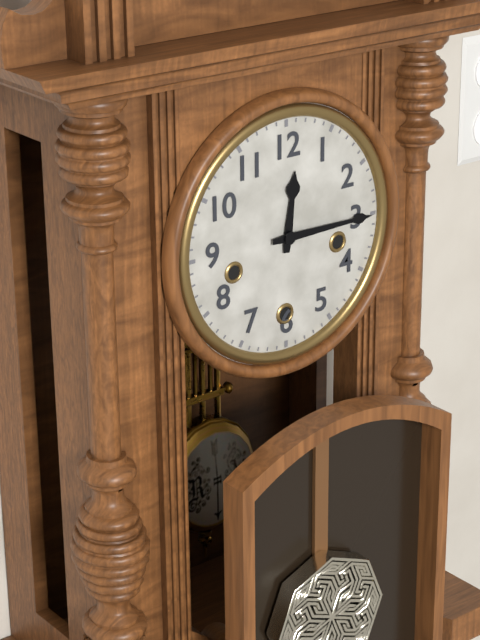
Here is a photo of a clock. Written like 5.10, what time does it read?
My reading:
12.15
